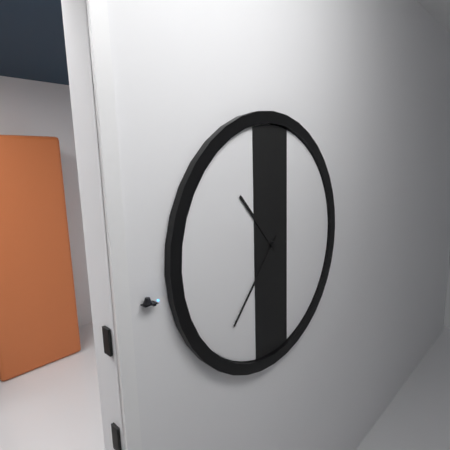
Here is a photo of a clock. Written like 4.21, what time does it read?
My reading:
10.37
